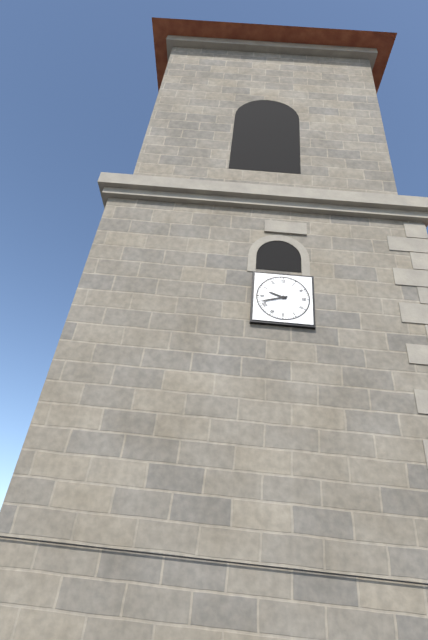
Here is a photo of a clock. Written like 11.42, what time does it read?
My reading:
9.42
